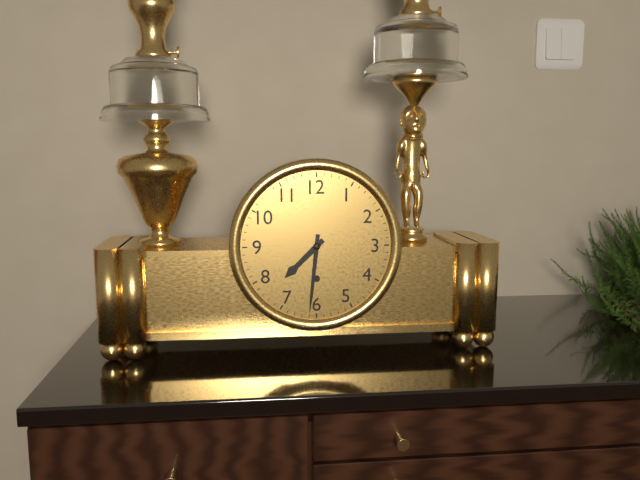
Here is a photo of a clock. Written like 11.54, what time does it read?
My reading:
7.31
